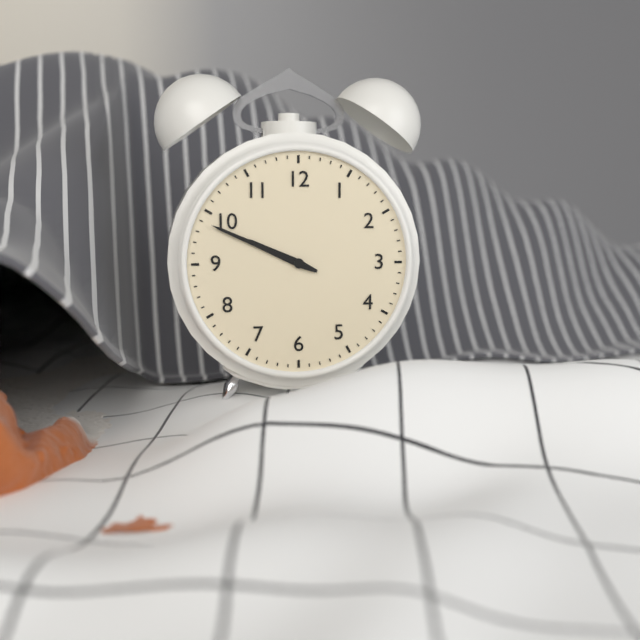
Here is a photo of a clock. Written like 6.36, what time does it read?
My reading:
9.49
